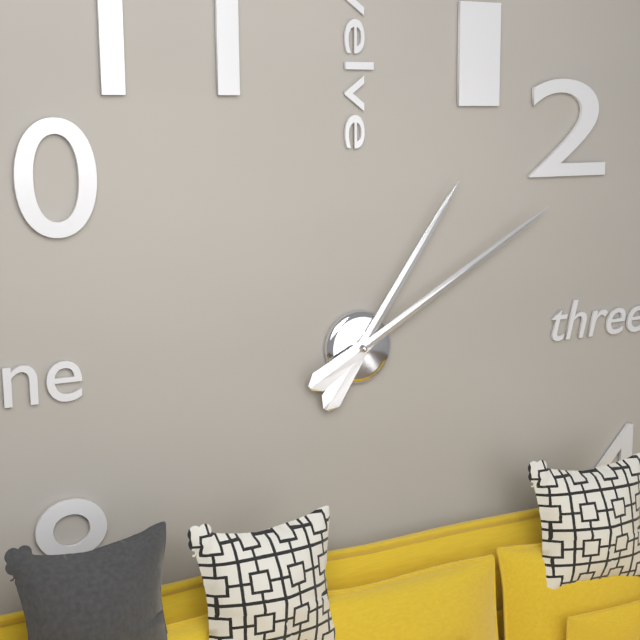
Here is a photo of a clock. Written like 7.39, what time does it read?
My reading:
1.10
